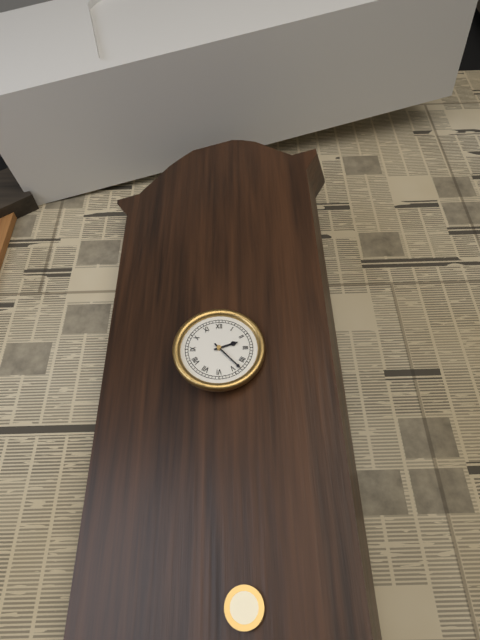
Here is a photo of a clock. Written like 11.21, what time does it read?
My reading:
2.23
